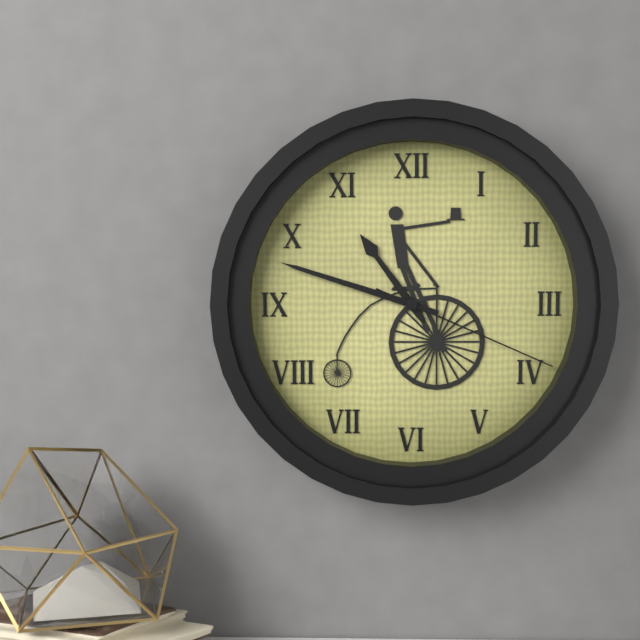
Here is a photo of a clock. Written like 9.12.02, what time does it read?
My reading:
10.48.19
